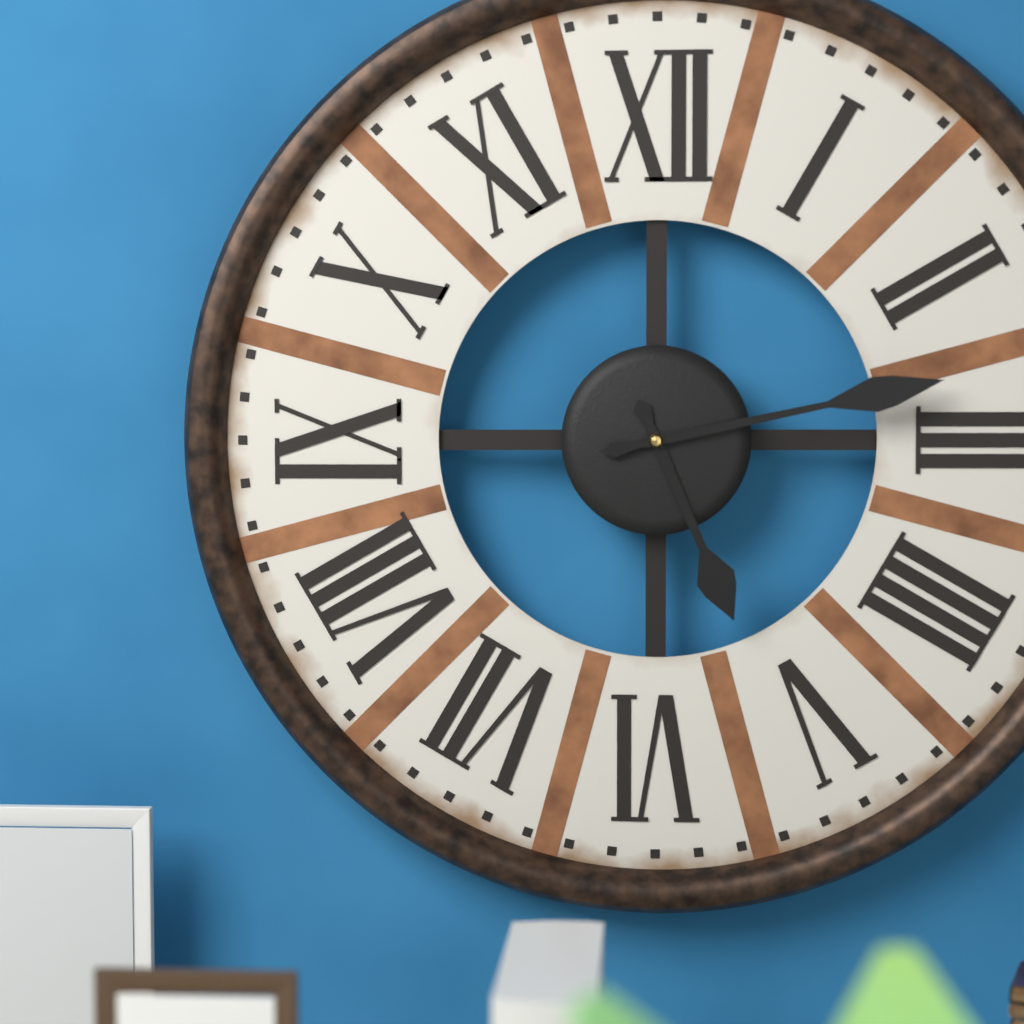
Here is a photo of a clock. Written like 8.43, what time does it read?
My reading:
5.13
